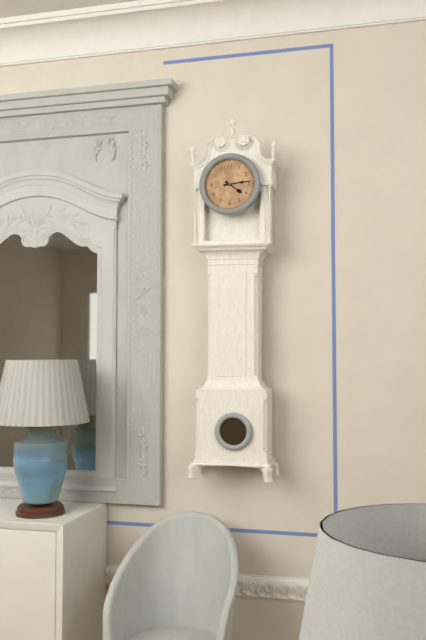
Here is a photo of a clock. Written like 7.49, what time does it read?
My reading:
4.14
